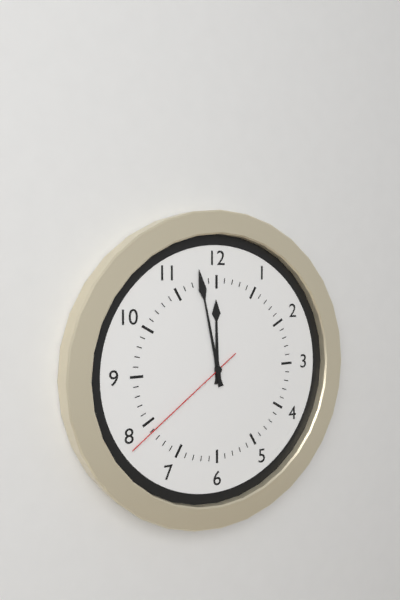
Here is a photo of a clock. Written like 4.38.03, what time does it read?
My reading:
11.58.39
